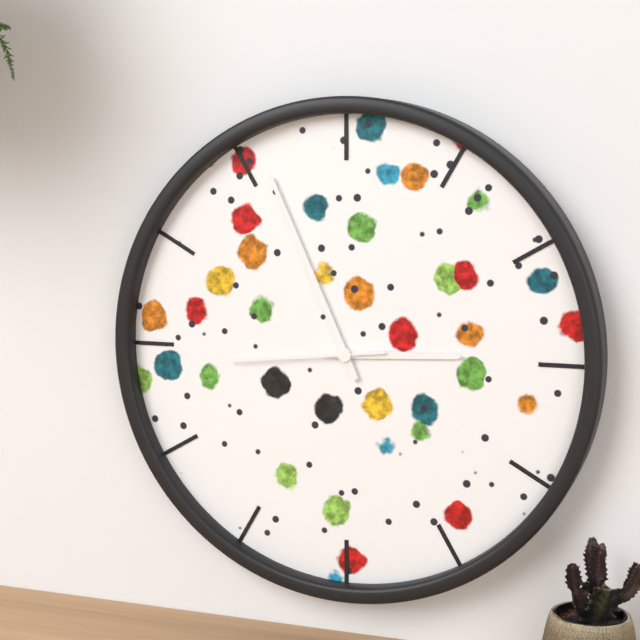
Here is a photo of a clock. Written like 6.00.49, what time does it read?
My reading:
2.56.44
